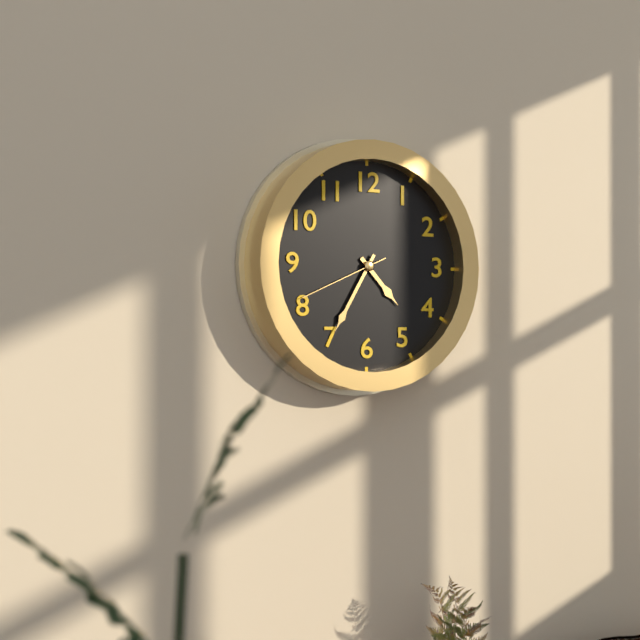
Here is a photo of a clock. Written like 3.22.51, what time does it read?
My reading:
4.35.41
